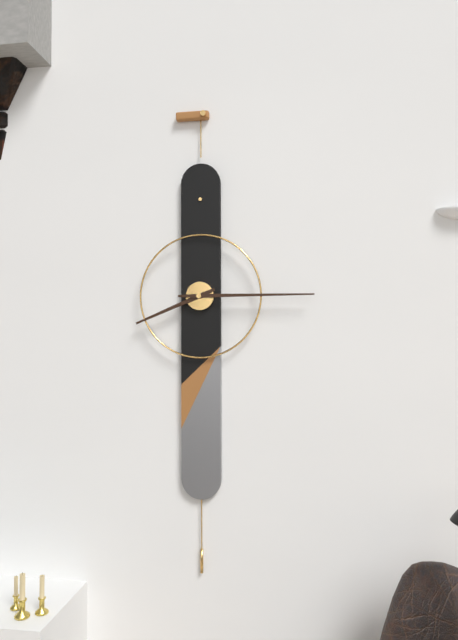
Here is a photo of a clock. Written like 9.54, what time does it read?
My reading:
8.15
